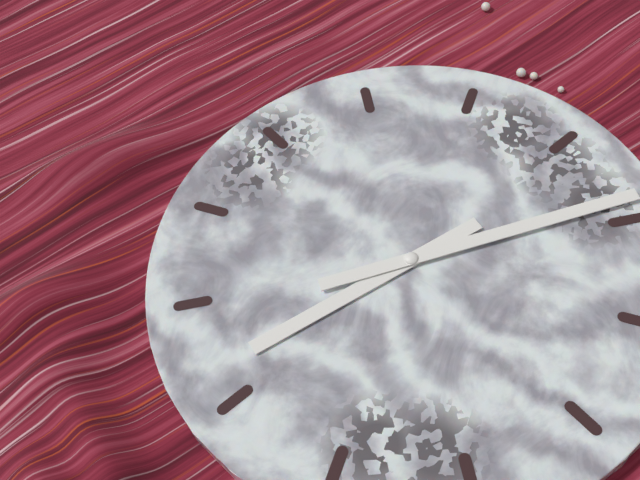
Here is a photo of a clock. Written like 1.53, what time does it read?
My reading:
9.19
